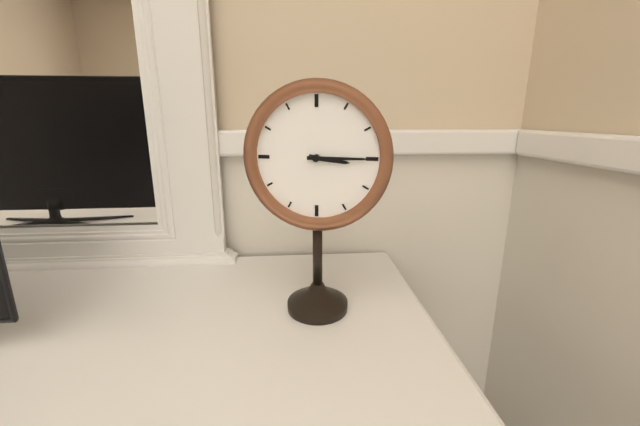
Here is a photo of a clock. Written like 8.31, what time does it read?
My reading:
3.15
